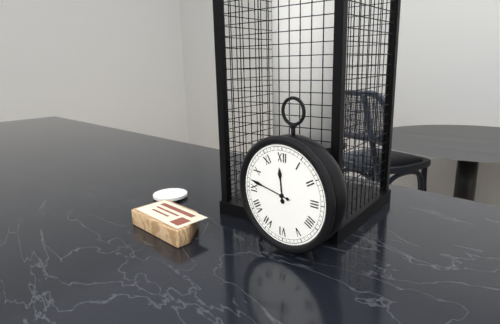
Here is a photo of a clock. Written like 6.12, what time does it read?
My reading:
11.47
